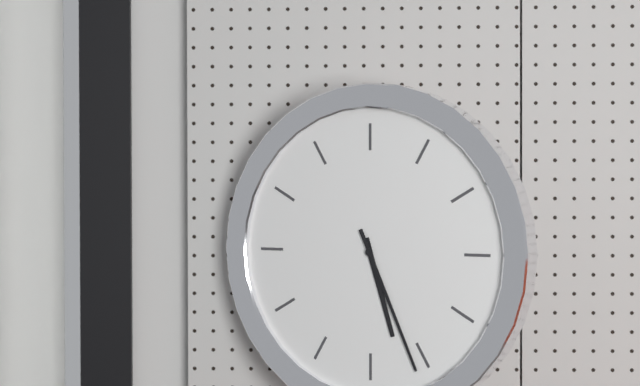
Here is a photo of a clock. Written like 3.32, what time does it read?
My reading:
5.26
